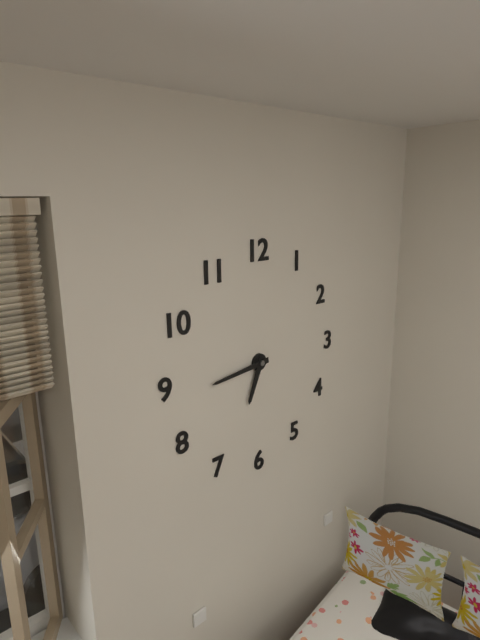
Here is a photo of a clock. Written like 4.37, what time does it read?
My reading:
6.44
